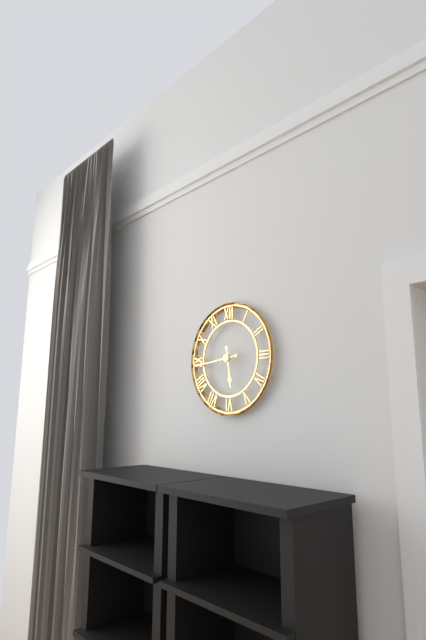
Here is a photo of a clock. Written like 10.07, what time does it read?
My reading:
5.44
